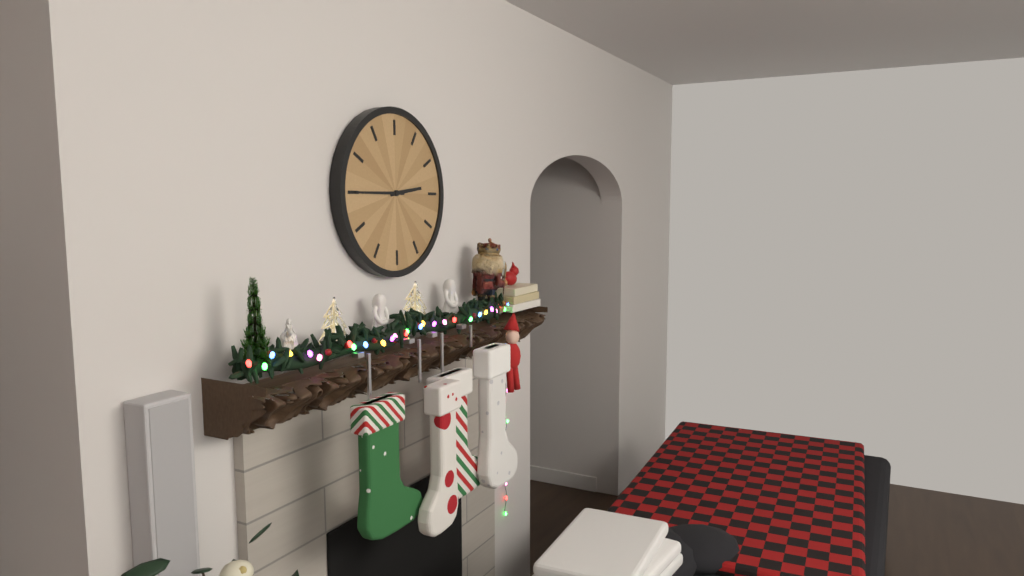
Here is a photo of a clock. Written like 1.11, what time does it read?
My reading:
2.45
